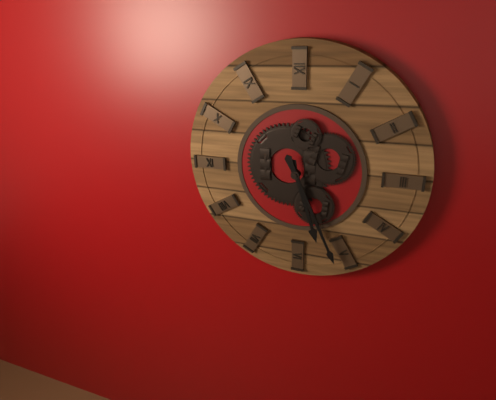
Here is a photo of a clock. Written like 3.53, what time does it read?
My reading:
5.26
